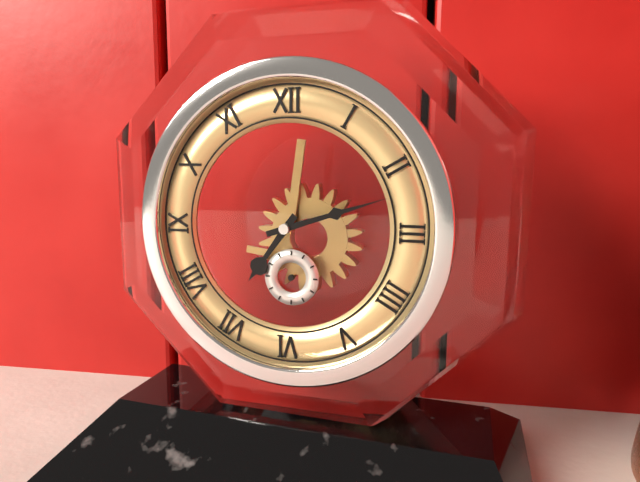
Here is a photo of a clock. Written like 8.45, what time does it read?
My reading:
7.12
